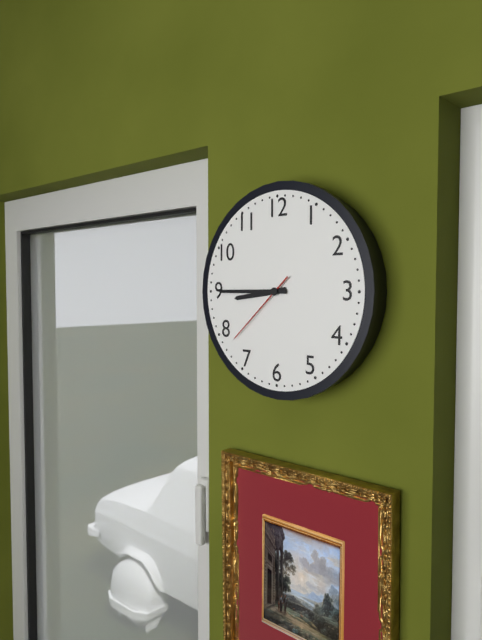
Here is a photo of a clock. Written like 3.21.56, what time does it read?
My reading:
8.45.38
